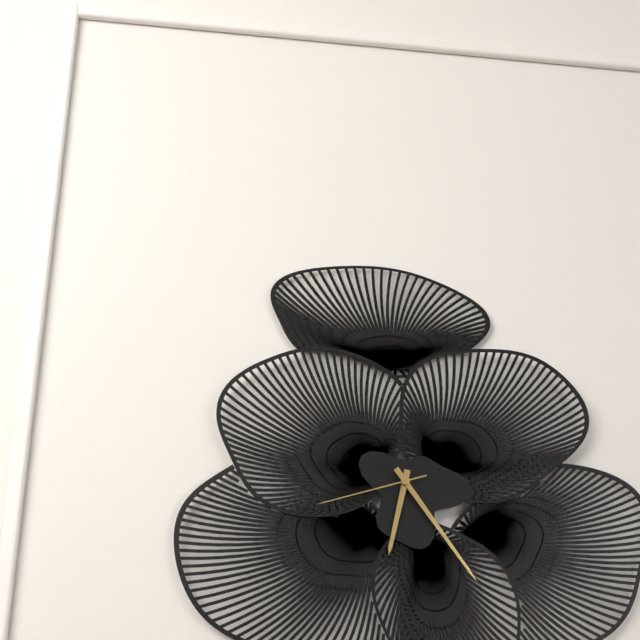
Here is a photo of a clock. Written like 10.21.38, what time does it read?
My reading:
6.24.42
